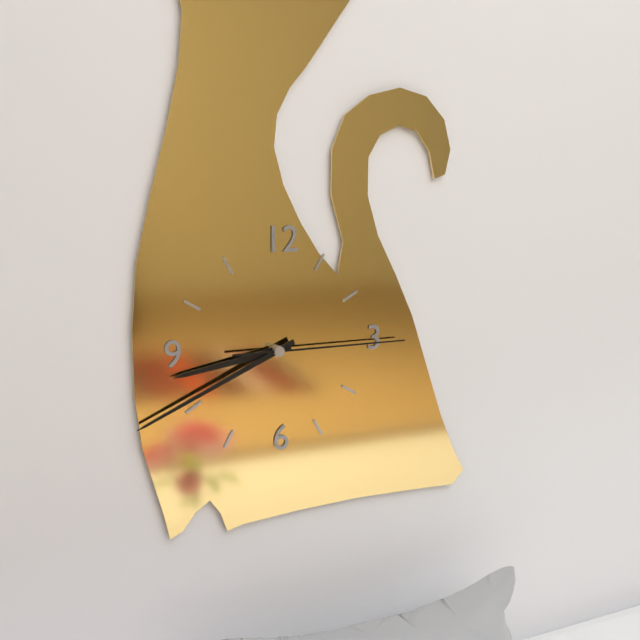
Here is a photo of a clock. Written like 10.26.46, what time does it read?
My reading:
8.41.15
